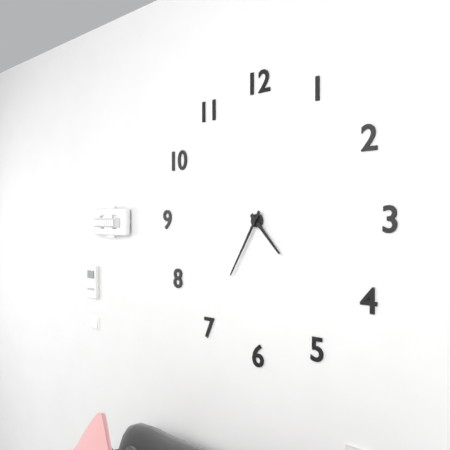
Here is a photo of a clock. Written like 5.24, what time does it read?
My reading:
4.35
